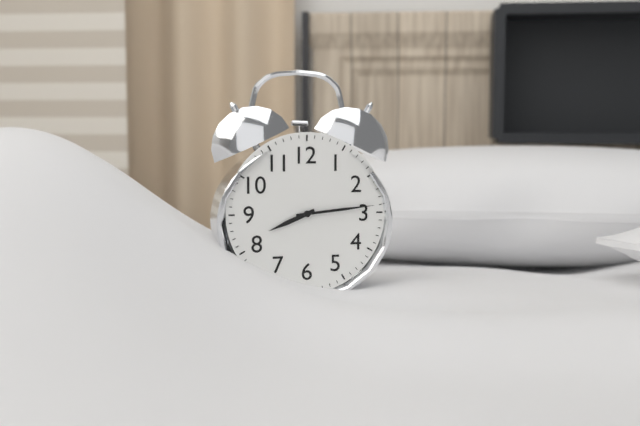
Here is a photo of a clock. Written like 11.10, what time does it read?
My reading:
8.14
